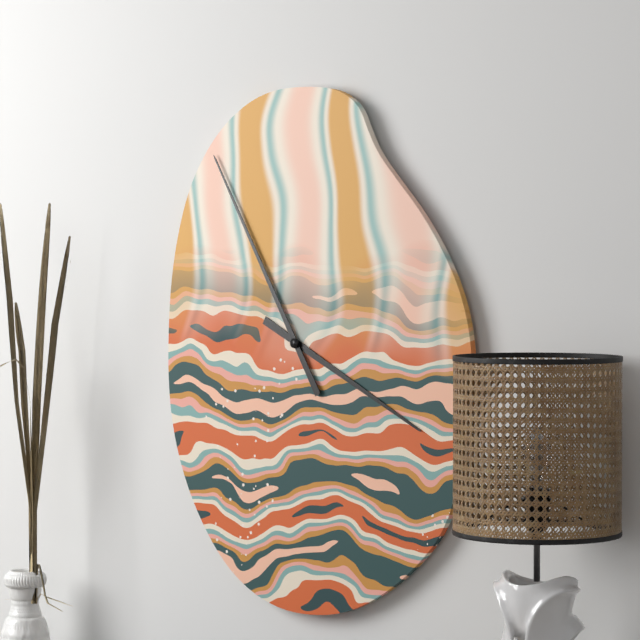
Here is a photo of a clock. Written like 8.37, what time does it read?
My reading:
3.55
